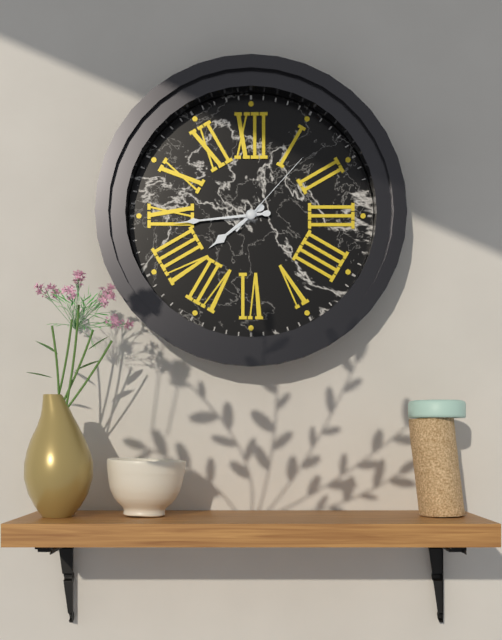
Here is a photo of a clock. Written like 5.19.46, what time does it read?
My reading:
7.44.07
